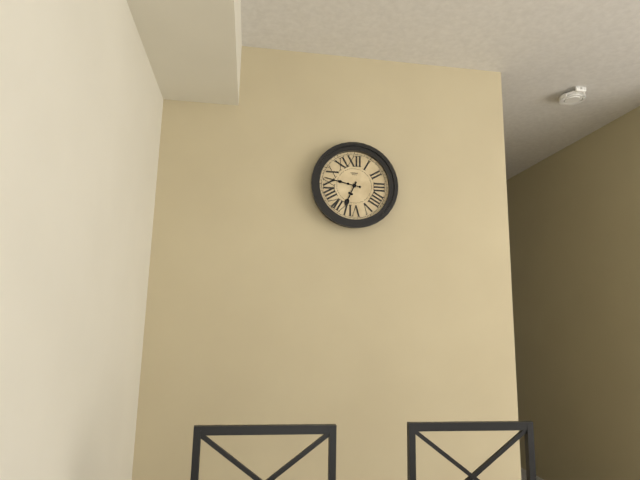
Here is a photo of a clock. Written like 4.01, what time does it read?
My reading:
6.47
